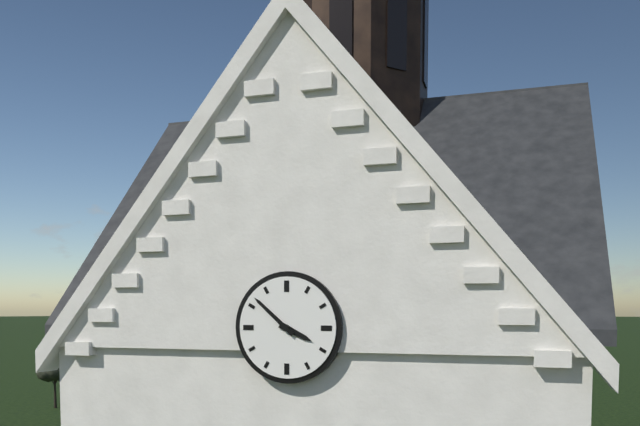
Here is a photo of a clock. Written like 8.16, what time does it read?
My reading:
3.52
